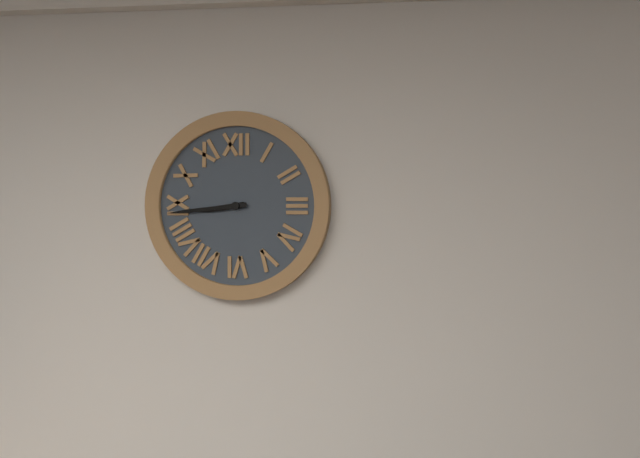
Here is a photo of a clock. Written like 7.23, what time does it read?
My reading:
8.44
